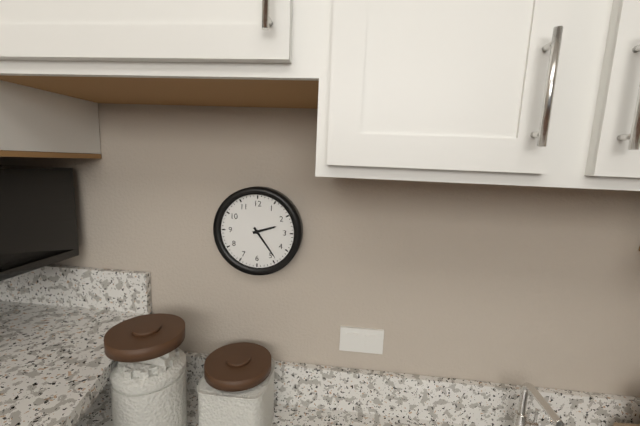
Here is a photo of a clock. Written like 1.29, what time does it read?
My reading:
2.24
